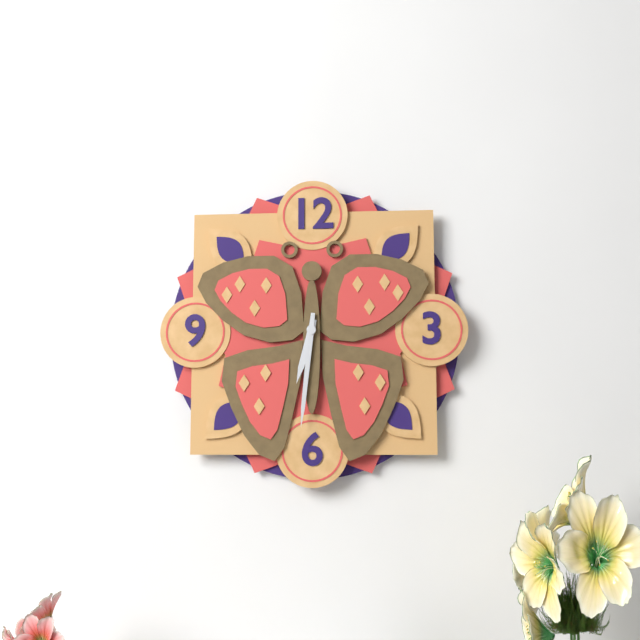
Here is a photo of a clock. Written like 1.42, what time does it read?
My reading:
6.31
